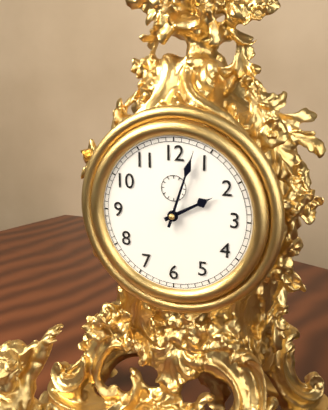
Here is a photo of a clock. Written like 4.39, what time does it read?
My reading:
2.03
